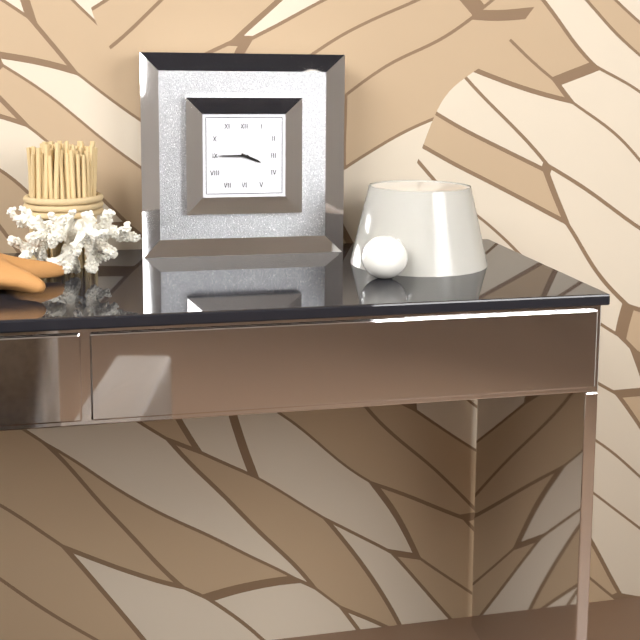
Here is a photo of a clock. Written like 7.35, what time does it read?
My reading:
3.45
